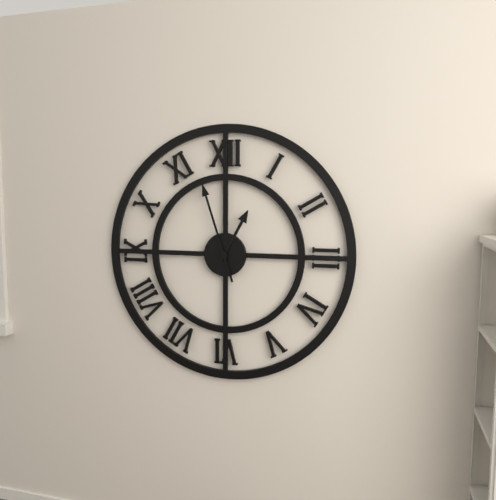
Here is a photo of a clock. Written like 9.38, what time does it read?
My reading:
12.57
